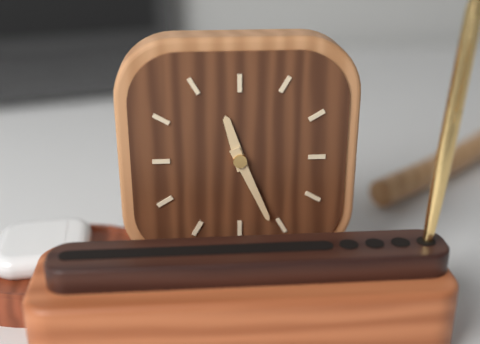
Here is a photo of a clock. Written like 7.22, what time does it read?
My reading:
11.26
